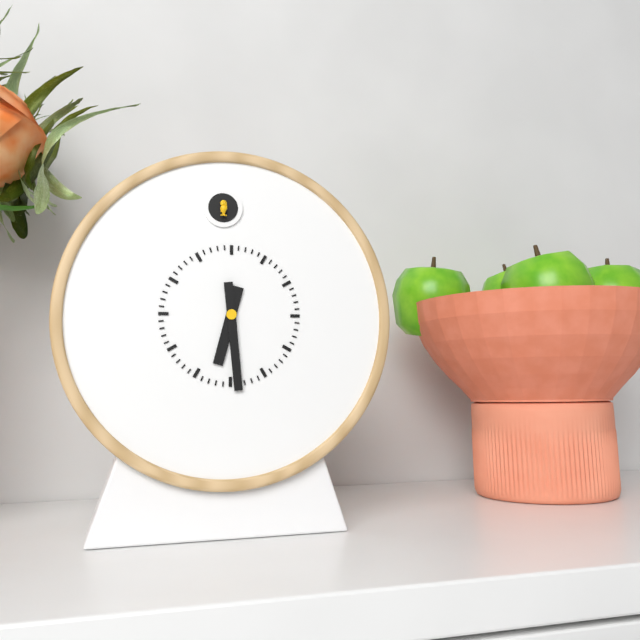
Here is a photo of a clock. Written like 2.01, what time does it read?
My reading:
6.29
